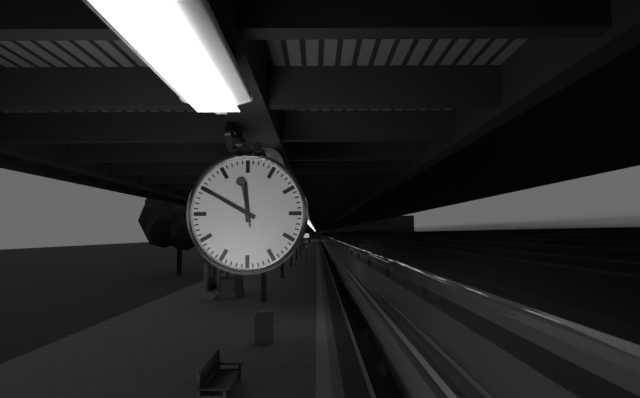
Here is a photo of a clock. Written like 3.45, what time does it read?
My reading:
11.50
